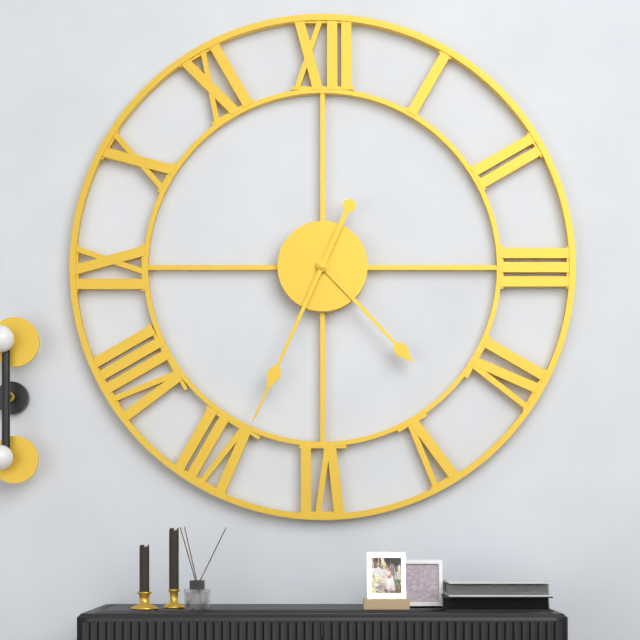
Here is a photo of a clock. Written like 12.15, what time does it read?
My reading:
4.34
